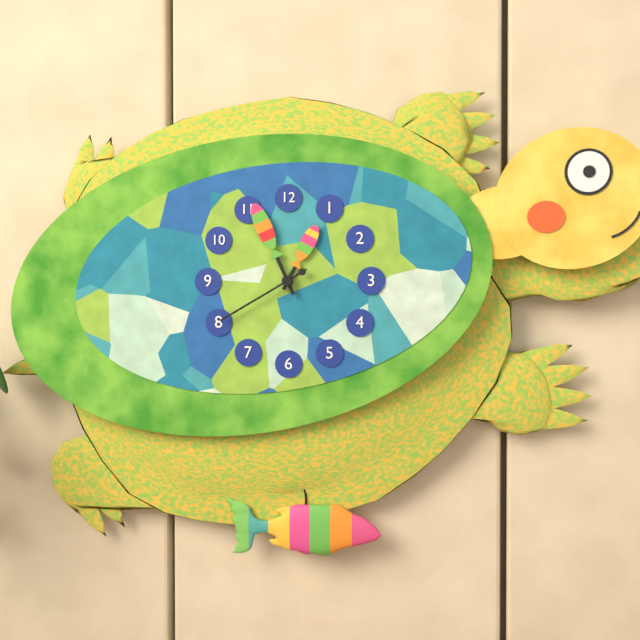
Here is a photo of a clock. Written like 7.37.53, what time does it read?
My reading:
12.56.40
